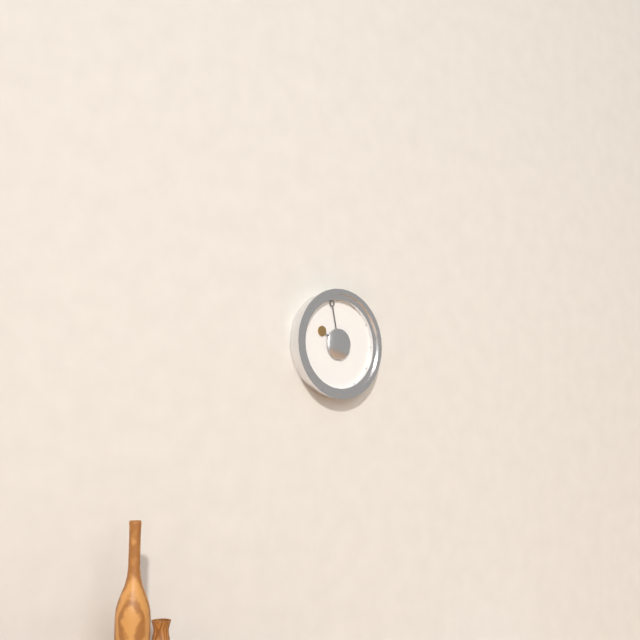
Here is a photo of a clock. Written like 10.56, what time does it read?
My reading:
9.58
